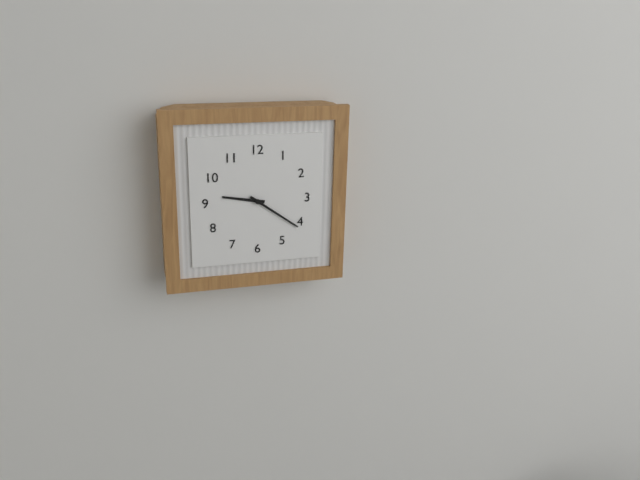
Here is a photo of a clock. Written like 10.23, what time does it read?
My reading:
9.21
